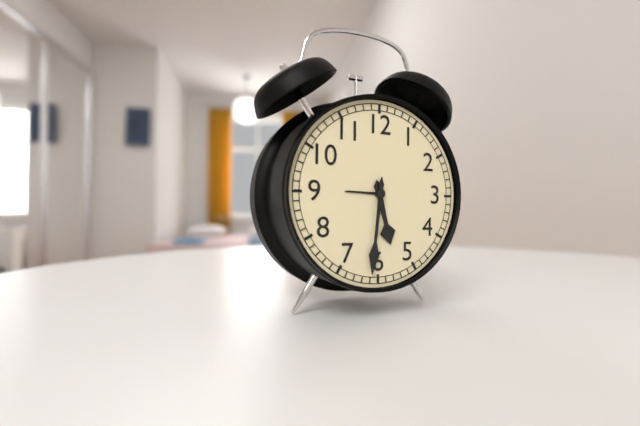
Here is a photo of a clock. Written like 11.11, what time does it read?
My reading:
5.31
